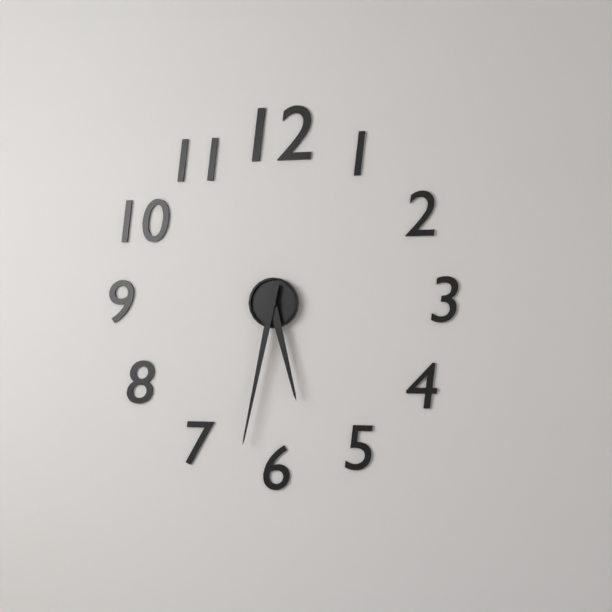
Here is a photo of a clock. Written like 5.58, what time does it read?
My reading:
5.32
